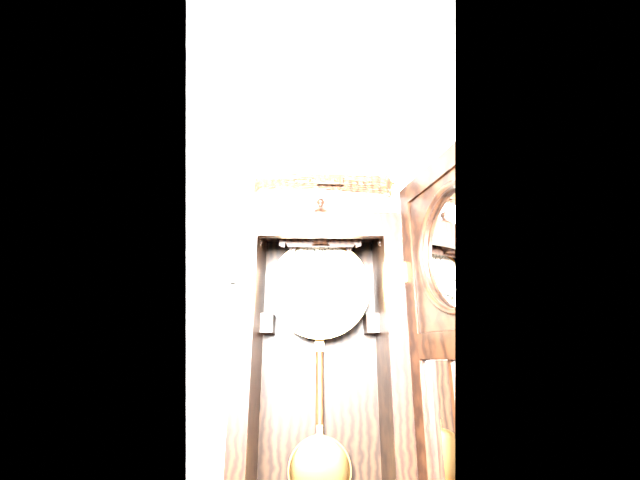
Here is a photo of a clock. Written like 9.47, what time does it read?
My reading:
2.43
